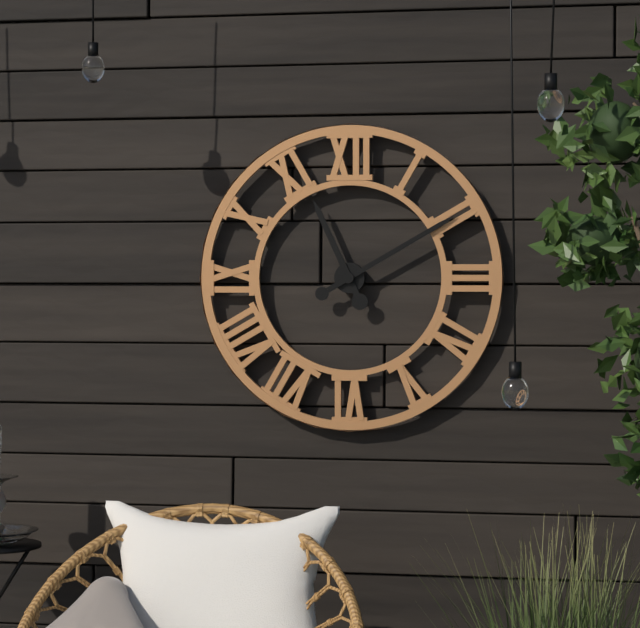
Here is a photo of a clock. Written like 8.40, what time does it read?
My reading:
11.10
